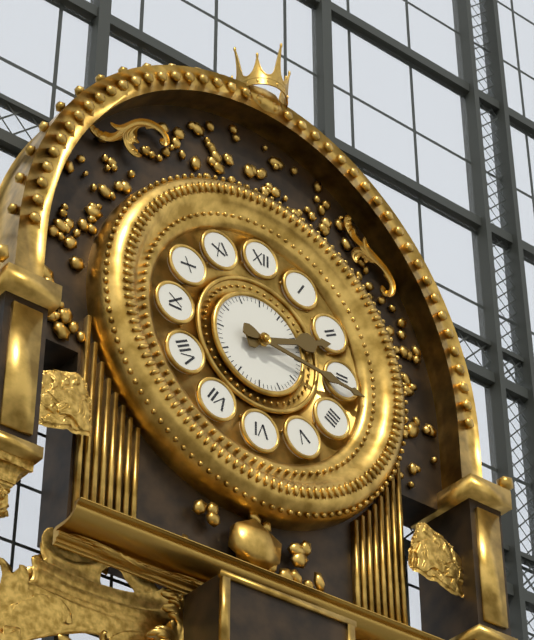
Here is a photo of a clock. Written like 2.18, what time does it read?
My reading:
2.16
